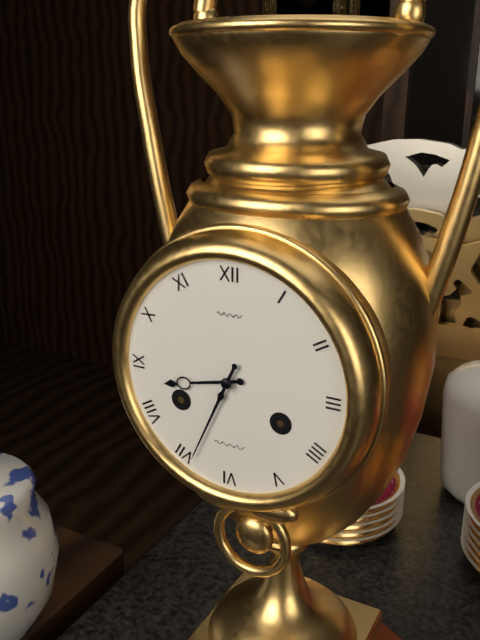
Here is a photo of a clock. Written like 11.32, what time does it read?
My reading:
8.34
